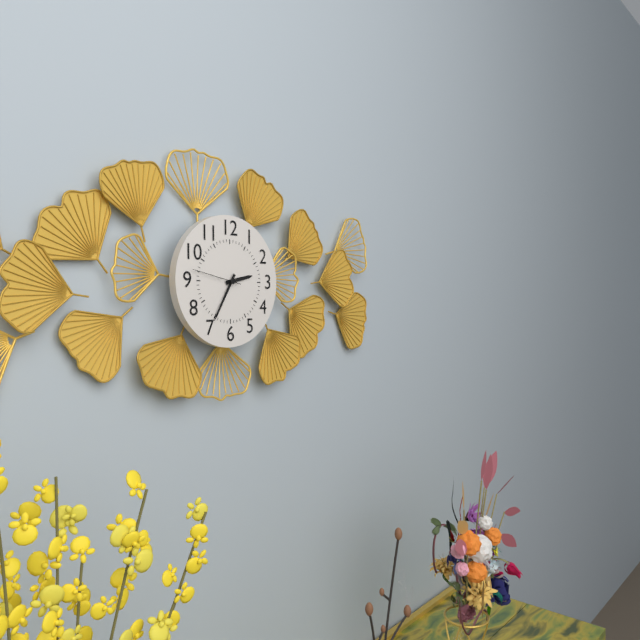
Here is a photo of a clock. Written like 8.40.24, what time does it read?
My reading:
2.35.47
